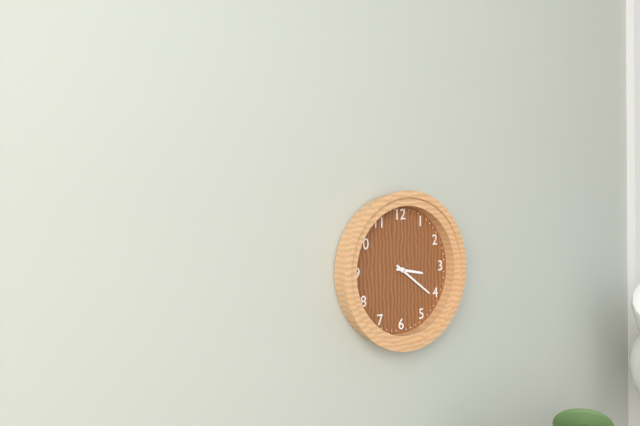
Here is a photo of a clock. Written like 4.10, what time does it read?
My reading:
3.21
